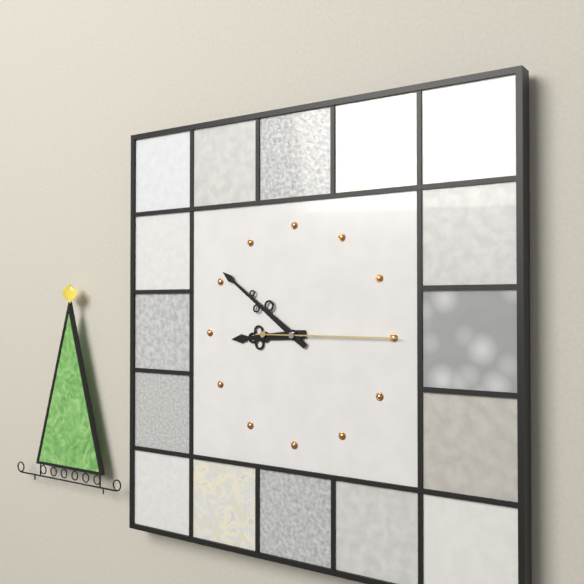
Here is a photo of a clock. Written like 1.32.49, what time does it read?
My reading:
8.51.15
